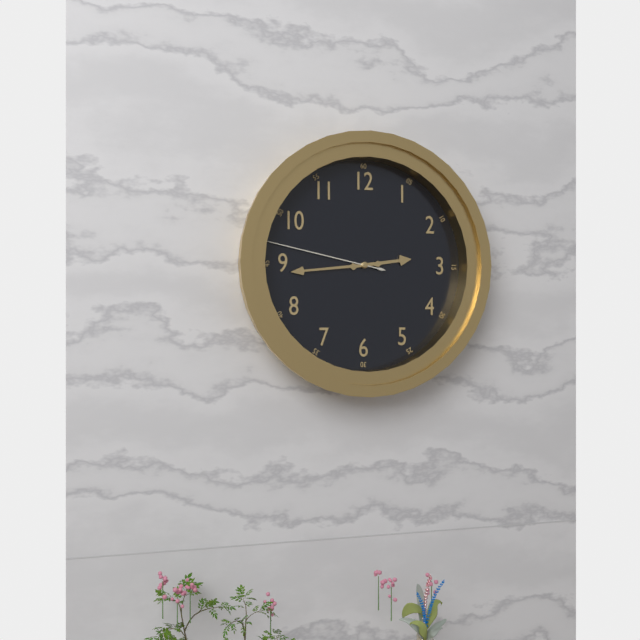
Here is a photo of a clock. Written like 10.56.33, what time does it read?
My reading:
2.44.47
